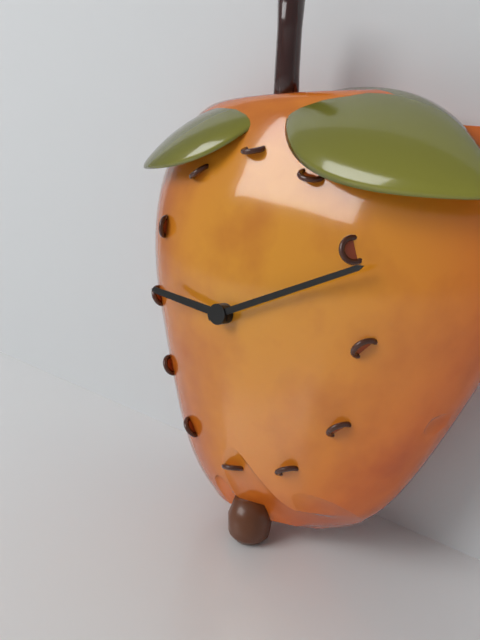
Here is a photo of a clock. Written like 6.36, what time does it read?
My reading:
9.11
